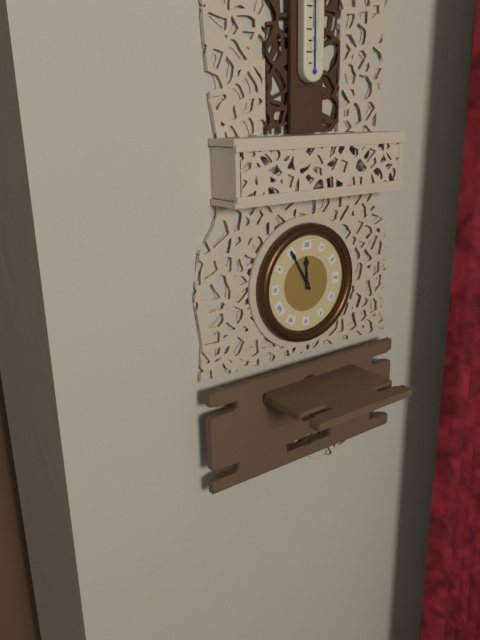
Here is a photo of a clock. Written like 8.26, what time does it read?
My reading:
11.55
